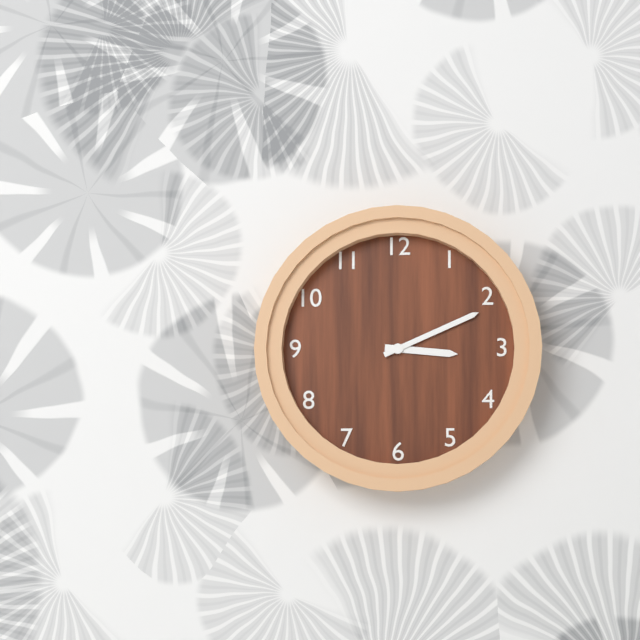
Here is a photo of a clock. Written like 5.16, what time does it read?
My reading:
3.11
